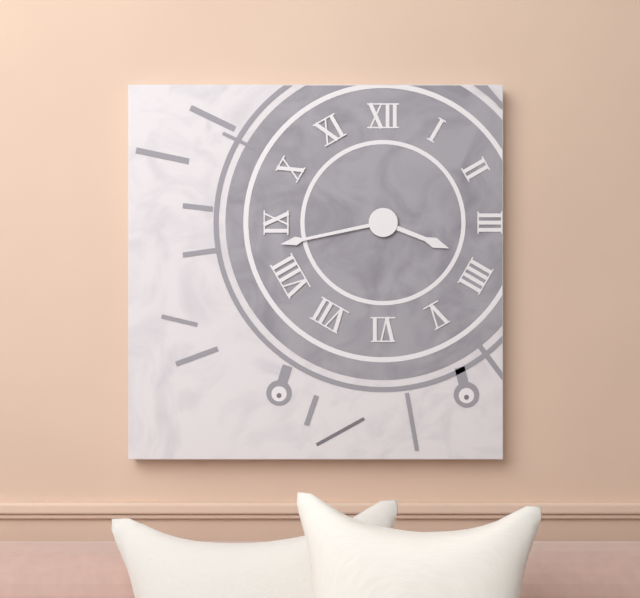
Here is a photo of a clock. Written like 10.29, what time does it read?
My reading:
3.43
